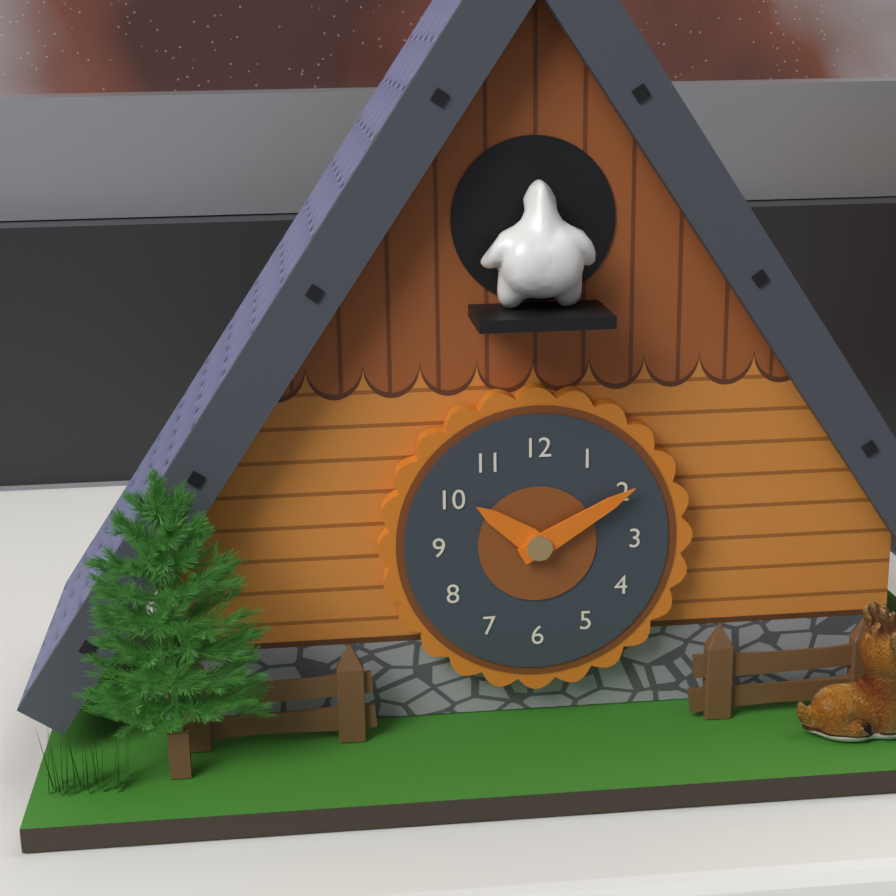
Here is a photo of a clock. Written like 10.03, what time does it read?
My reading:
10.10
